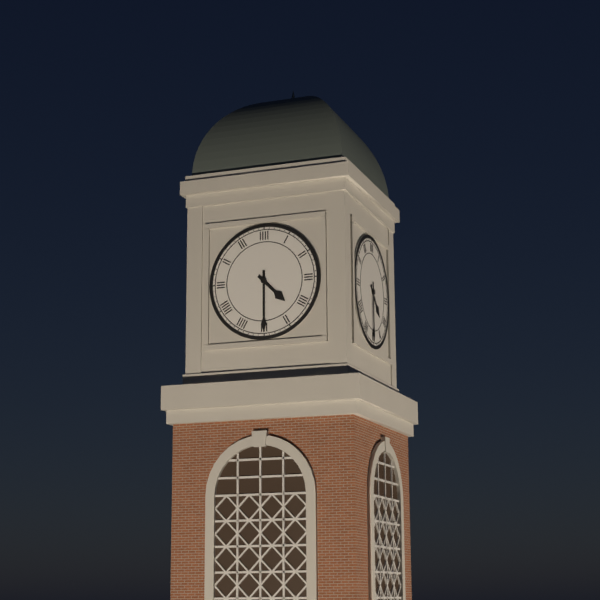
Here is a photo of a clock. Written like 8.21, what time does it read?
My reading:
4.30
